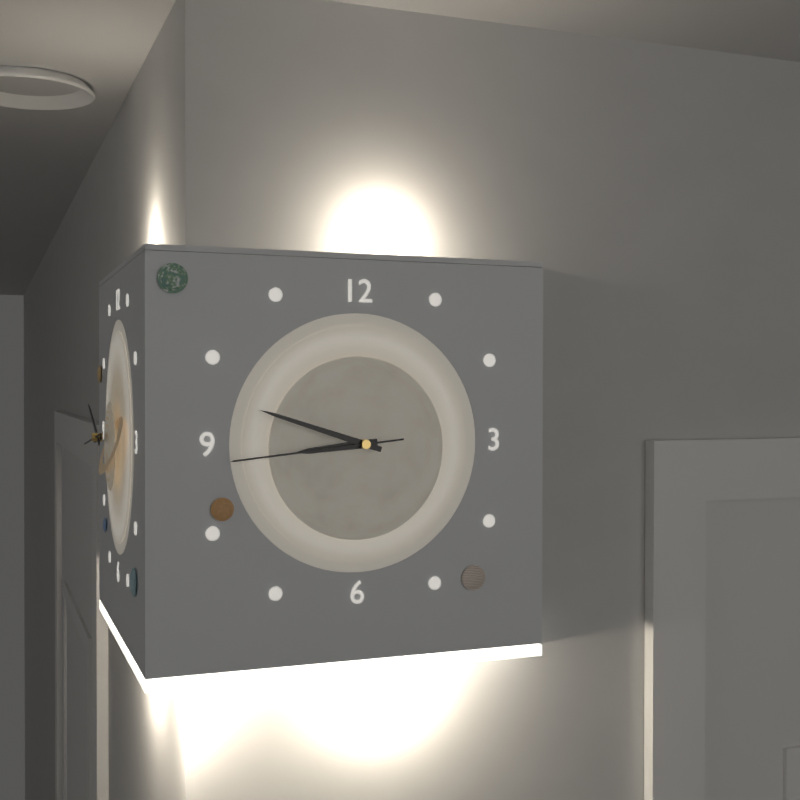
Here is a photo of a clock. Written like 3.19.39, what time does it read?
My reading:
8.48.44
